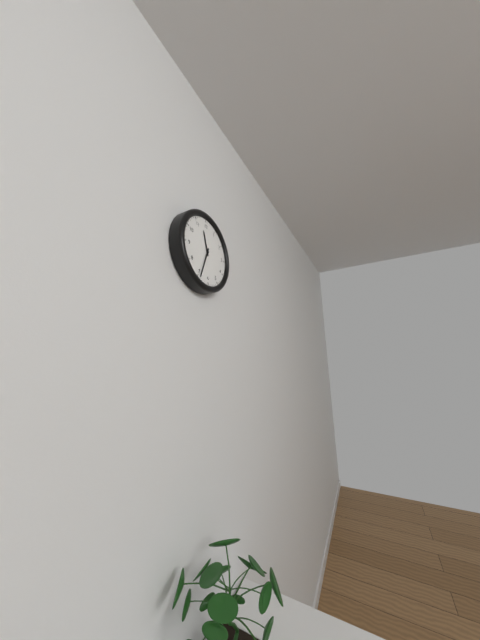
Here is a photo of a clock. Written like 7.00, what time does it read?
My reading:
11.34
